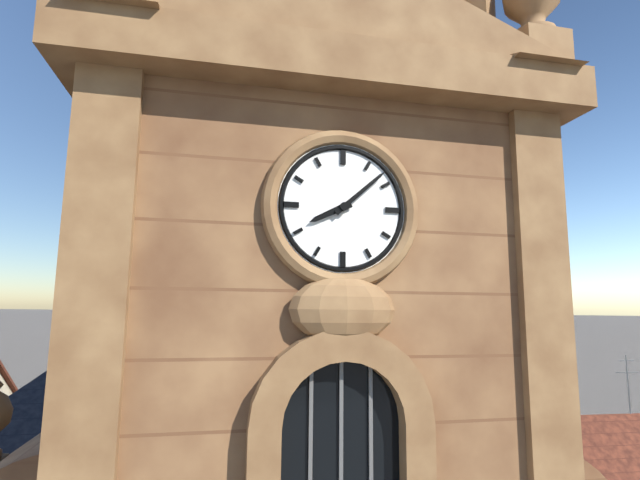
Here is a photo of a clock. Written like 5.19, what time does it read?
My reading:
8.08
